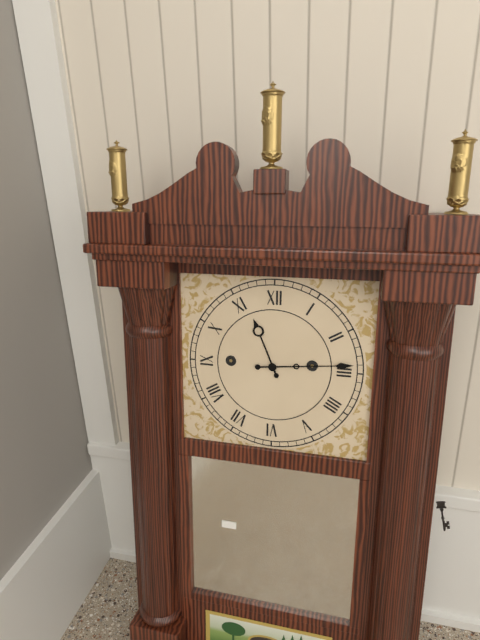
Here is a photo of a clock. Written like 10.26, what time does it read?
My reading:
11.14
